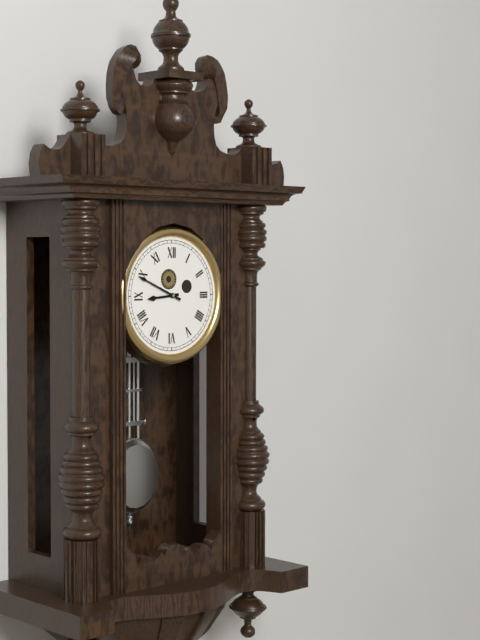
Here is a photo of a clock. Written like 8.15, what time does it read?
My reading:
8.49
